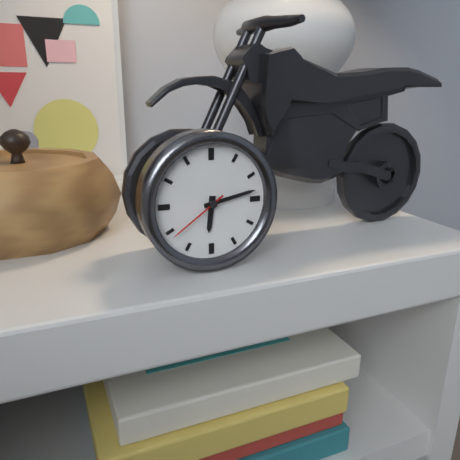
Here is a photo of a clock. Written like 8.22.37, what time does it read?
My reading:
6.13.39
